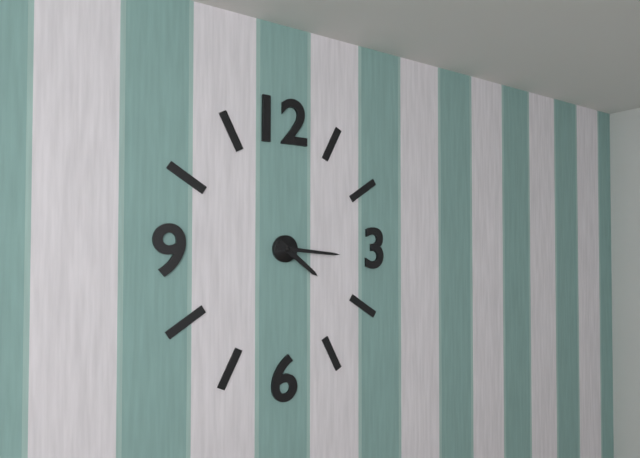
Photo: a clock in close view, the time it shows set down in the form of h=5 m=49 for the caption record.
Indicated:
h=4 m=16
